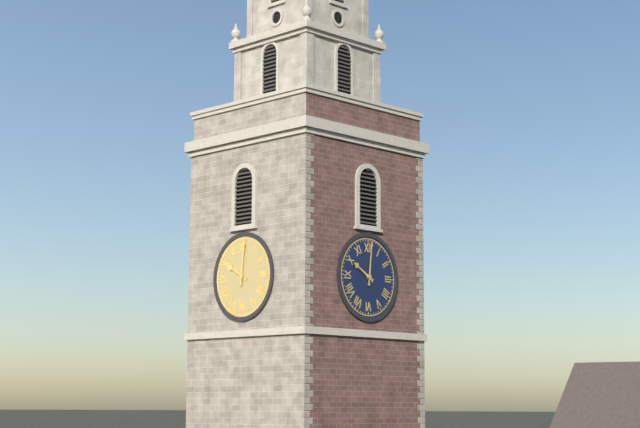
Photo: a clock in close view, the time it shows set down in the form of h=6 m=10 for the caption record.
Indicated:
h=10 m=1
